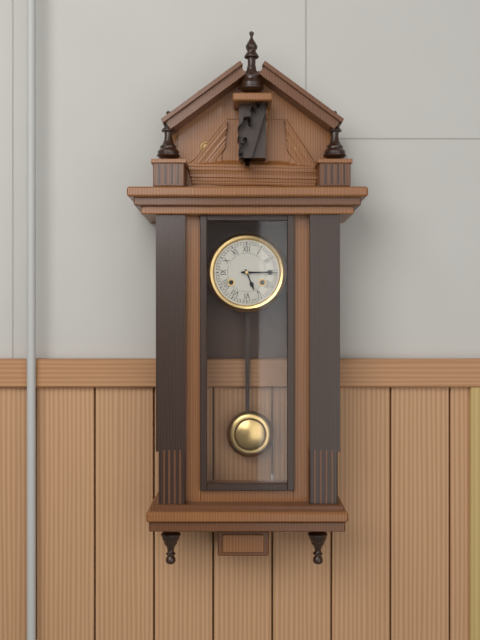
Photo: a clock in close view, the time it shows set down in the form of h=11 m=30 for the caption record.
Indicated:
h=5 m=15
